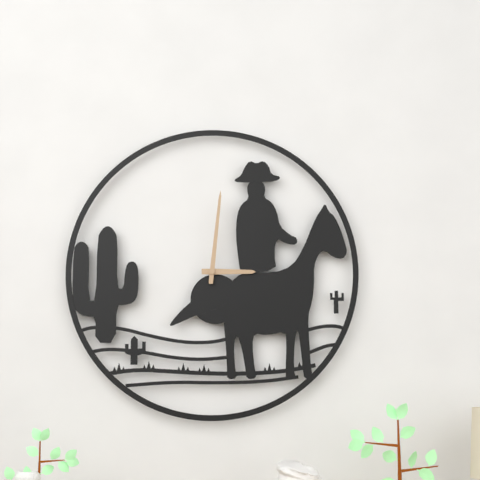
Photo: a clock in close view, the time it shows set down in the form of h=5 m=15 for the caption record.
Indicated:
h=3 m=1
